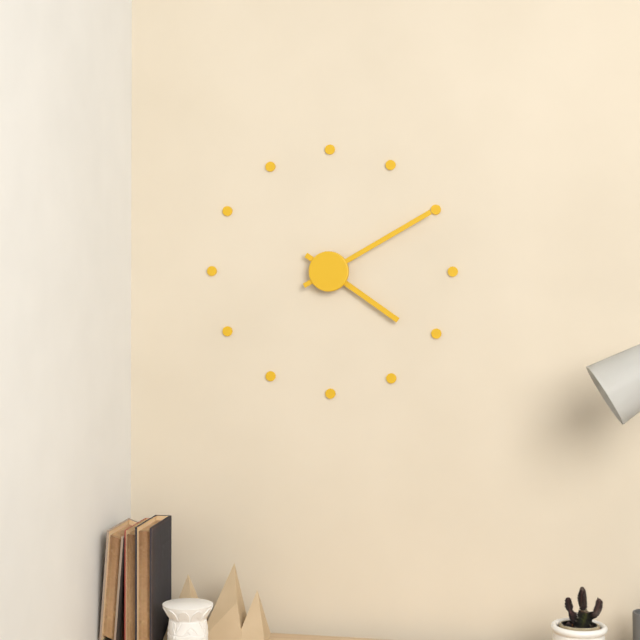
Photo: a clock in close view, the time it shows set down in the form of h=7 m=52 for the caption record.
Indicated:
h=4 m=10
